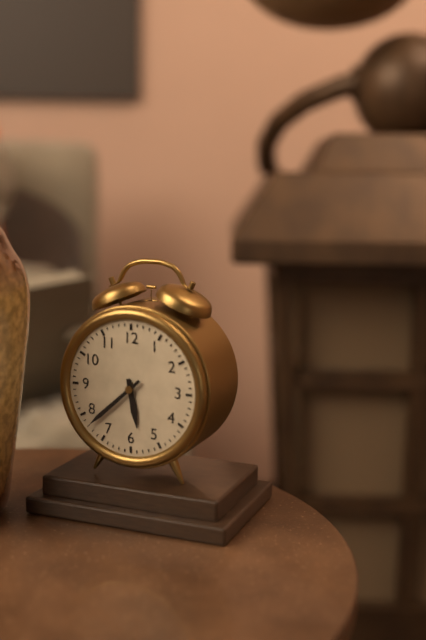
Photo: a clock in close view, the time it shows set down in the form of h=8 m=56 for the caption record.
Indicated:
h=5 m=38
